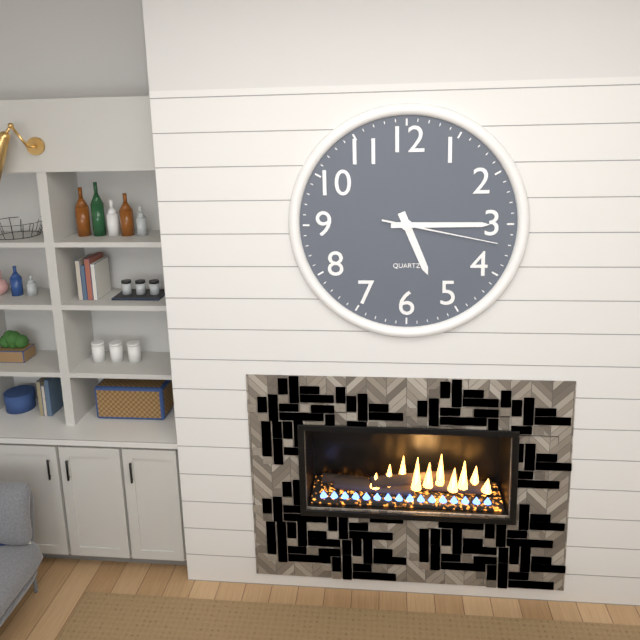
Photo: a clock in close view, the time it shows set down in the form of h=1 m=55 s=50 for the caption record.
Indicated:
h=5 m=15 s=17
